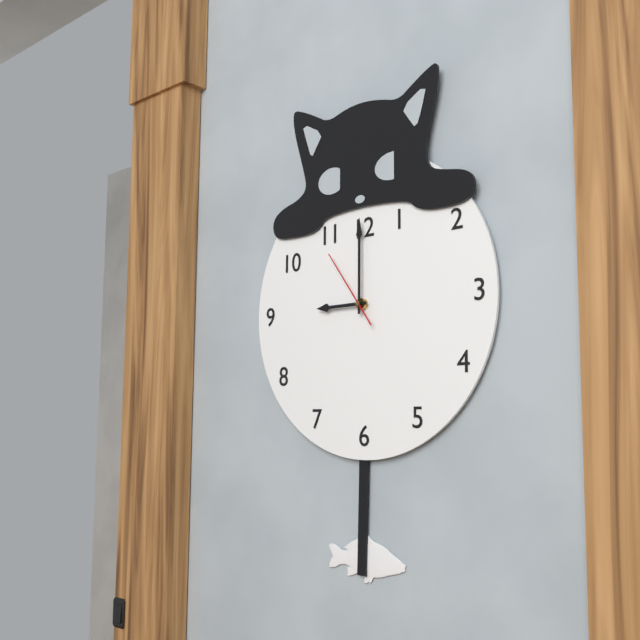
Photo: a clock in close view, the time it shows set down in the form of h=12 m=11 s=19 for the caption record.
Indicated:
h=9 m=0 s=54
